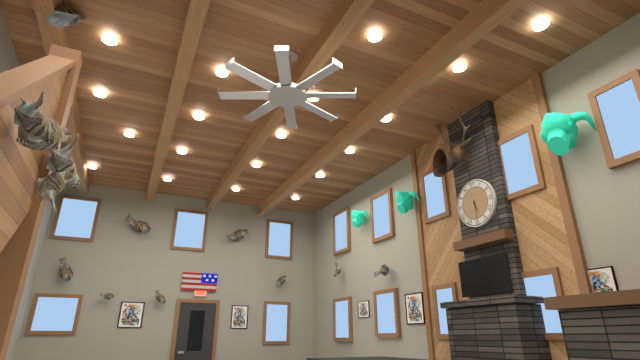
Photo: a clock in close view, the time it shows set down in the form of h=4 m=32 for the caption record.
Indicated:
h=5 m=30
